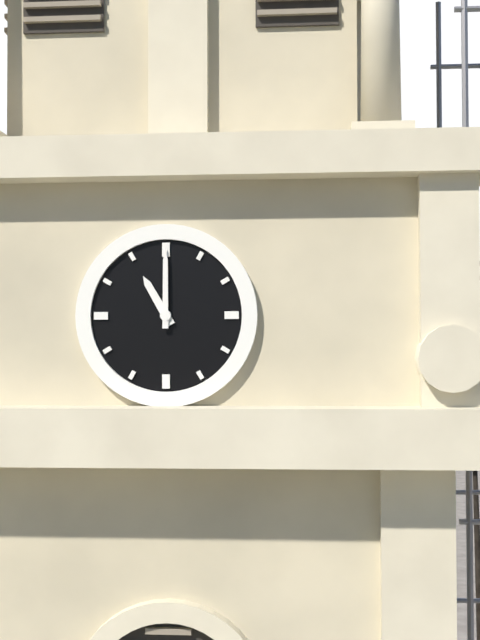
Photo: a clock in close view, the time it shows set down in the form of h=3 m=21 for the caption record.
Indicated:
h=11 m=0
